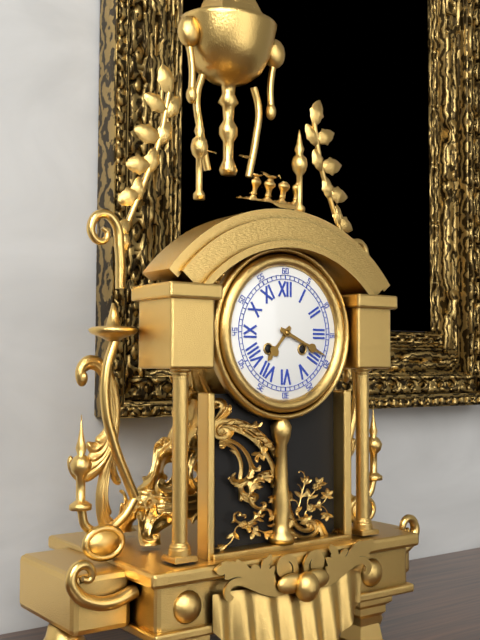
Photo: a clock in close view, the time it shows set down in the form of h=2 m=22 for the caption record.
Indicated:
h=7 m=19
